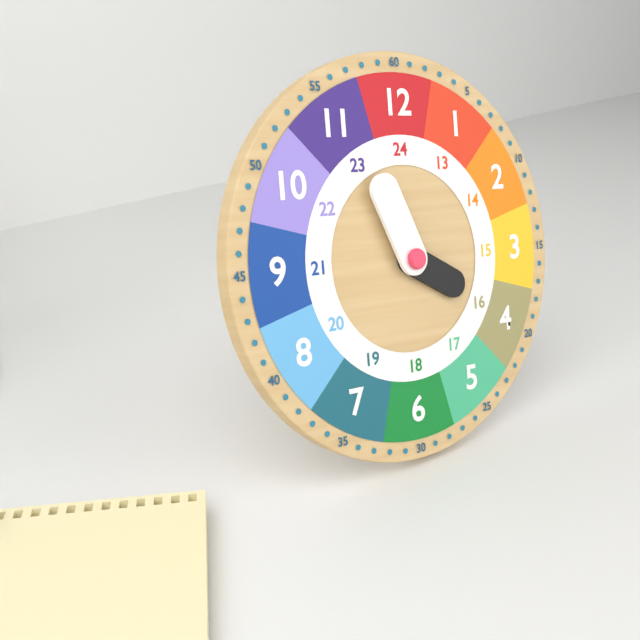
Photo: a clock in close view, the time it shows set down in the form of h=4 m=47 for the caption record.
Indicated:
h=3 m=56
